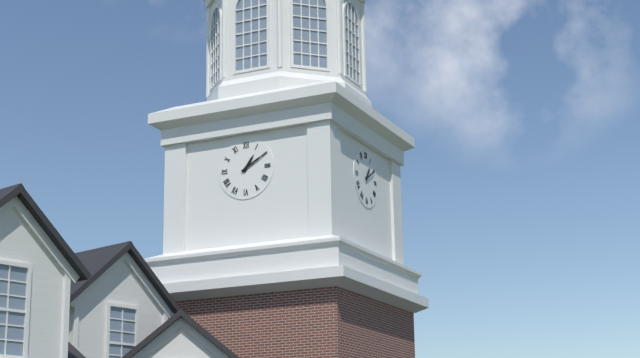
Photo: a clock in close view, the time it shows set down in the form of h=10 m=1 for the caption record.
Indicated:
h=1 m=10
